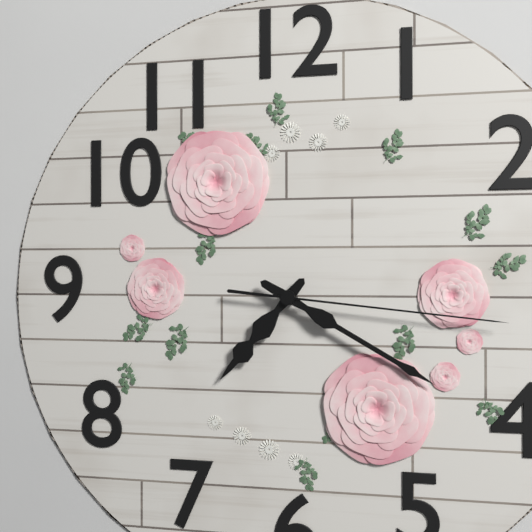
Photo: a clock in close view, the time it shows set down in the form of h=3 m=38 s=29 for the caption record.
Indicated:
h=7 m=20 s=16
